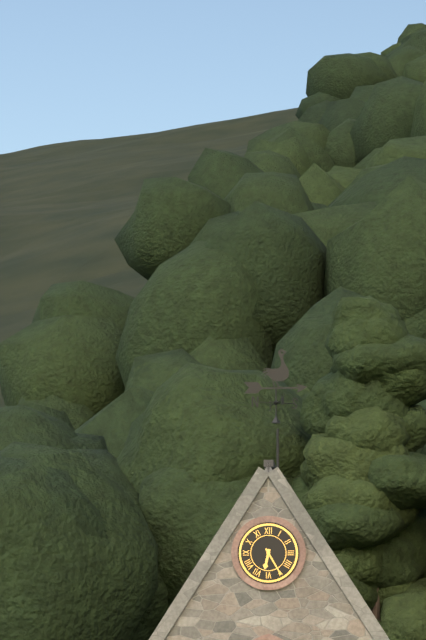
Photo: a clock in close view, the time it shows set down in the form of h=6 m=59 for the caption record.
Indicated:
h=6 m=25
